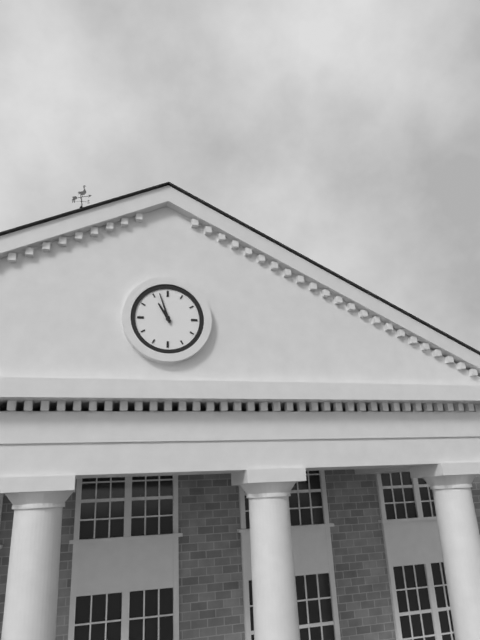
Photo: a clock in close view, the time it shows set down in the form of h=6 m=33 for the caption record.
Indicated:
h=10 m=57
